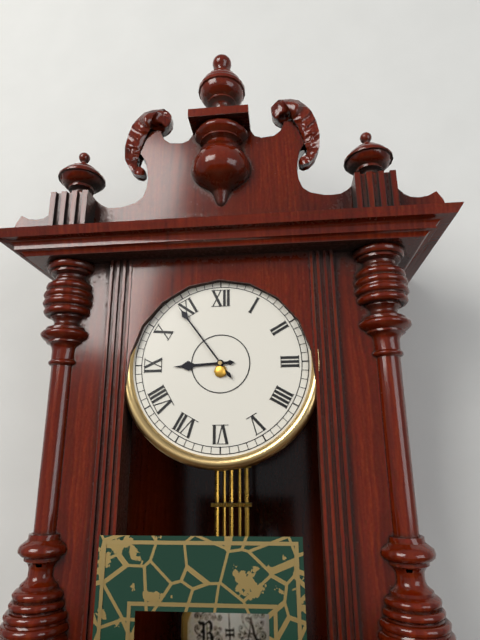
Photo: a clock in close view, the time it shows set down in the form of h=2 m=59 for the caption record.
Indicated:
h=8 m=54
